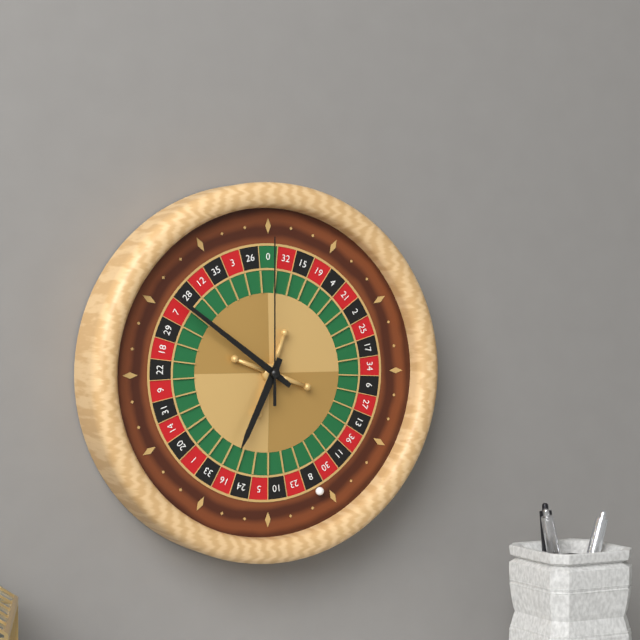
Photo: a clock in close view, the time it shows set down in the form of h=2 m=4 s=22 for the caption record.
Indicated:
h=6 m=51 s=0
